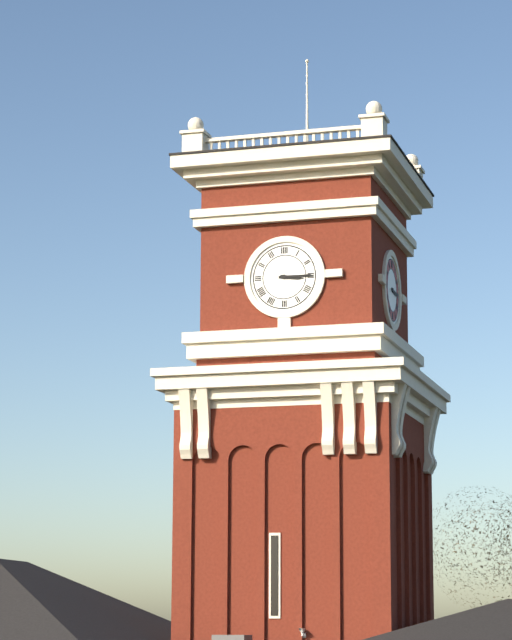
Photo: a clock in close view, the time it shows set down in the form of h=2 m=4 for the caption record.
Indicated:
h=3 m=15
